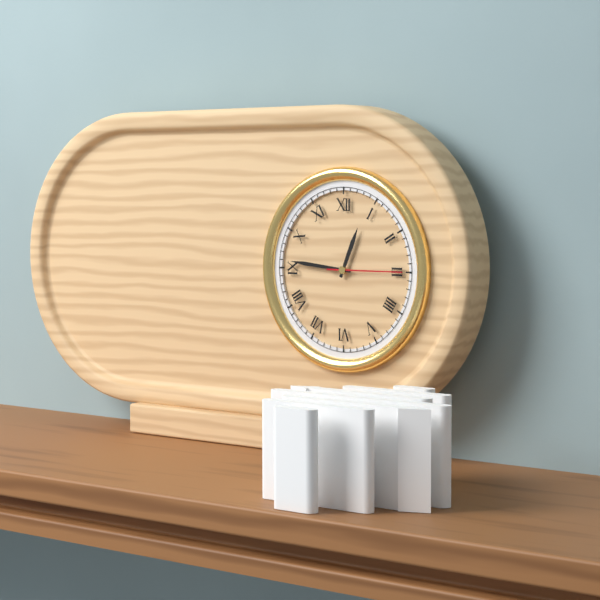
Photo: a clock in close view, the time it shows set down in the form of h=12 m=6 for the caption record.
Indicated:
h=12 m=46
